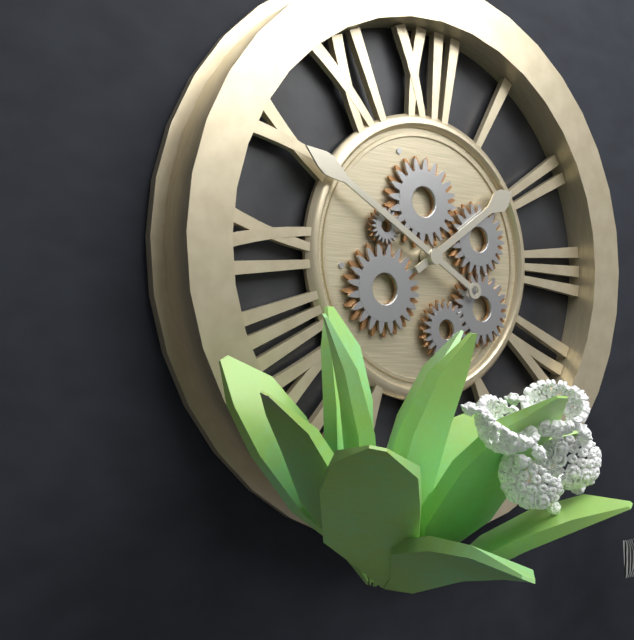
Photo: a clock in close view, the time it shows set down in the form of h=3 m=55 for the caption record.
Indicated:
h=1 m=50
